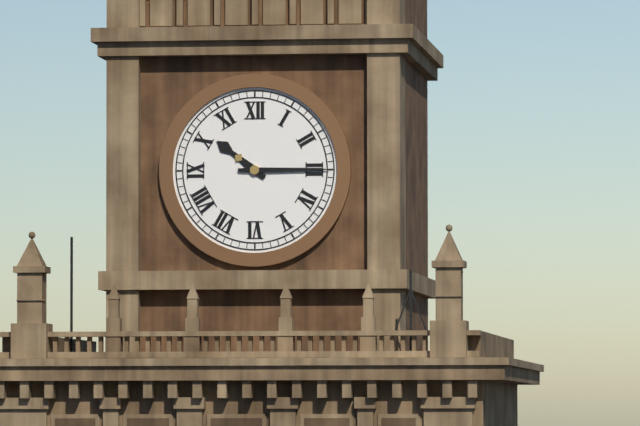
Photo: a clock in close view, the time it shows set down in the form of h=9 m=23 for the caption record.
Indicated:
h=10 m=15
